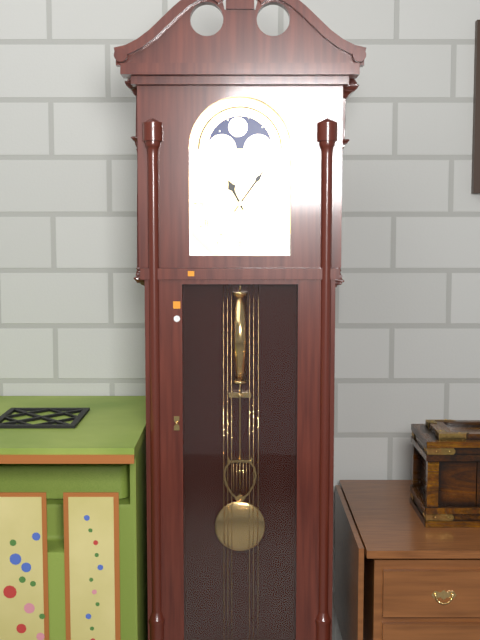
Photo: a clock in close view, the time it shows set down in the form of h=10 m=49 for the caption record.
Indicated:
h=11 m=6
